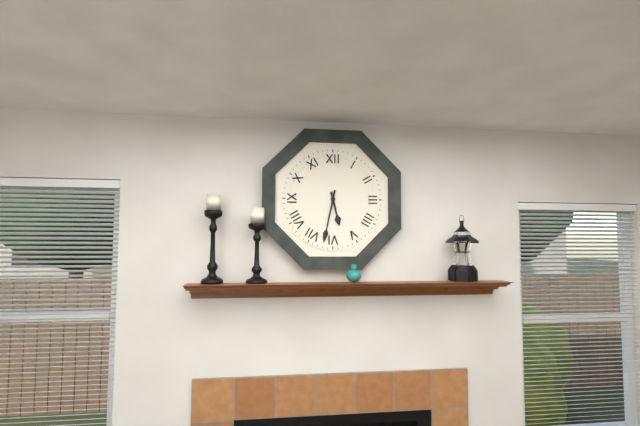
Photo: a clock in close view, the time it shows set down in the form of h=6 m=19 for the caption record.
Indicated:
h=5 m=32
